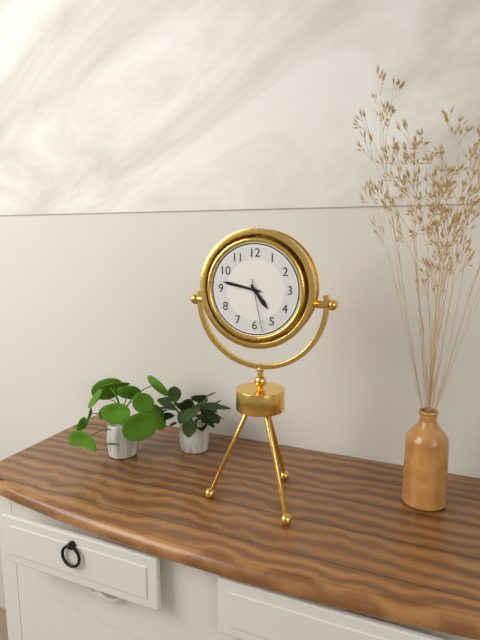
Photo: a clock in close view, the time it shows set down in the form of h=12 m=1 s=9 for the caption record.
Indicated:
h=4 m=47 s=28
